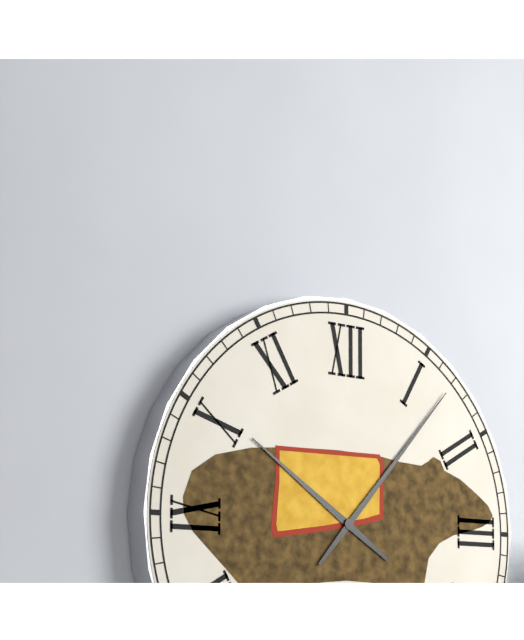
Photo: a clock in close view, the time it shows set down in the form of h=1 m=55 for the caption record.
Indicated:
h=10 m=7
